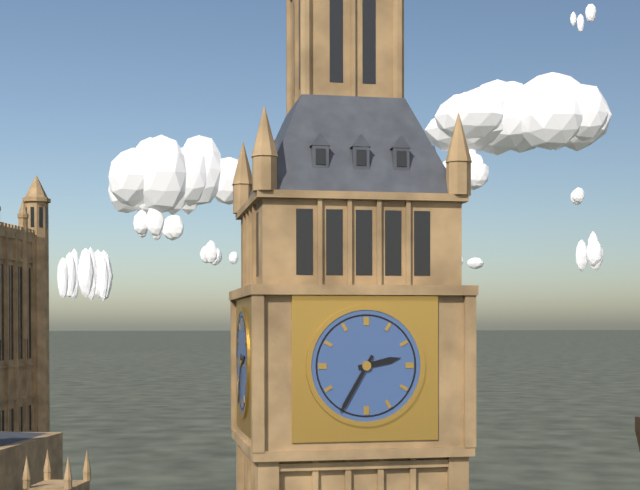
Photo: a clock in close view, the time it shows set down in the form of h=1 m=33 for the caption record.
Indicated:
h=2 m=35
